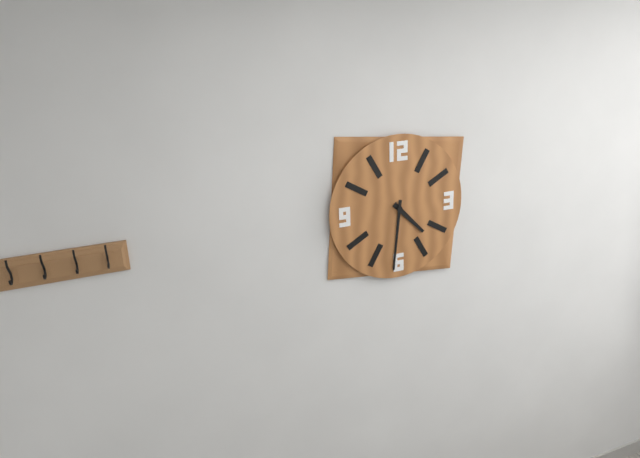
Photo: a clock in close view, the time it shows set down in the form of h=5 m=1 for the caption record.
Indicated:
h=4 m=31
